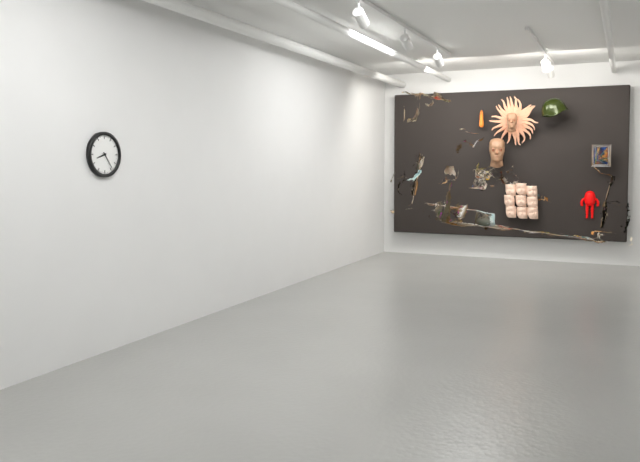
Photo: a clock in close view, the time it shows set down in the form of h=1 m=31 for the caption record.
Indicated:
h=8 m=24
